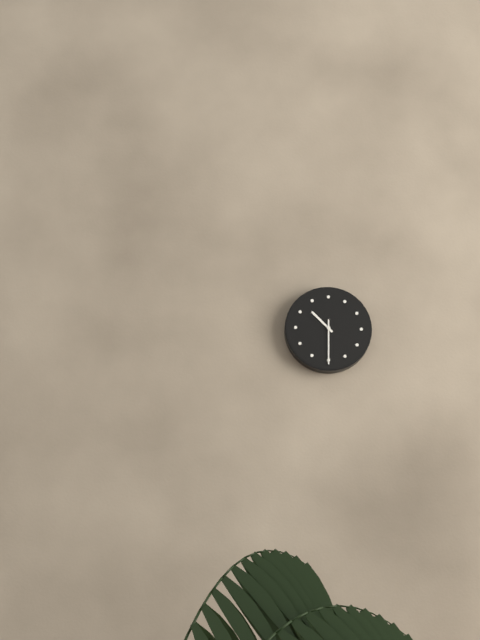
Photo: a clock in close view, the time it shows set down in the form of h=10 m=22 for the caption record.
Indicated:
h=10 m=30
